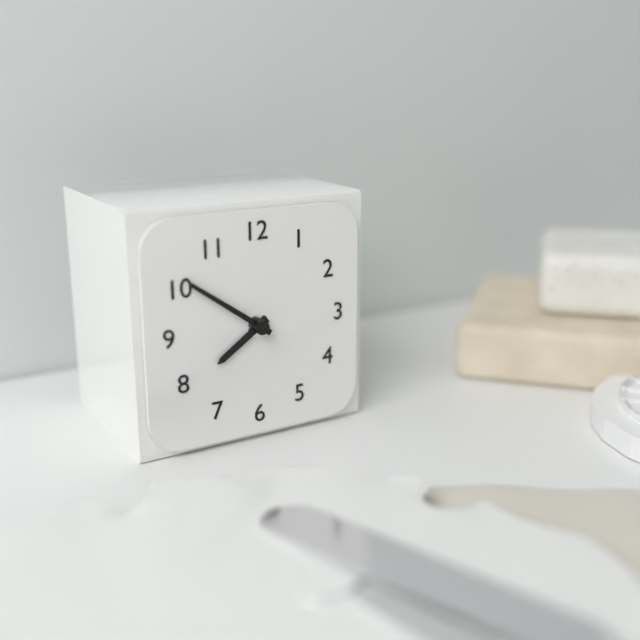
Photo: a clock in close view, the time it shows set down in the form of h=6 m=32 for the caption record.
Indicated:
h=7 m=51
